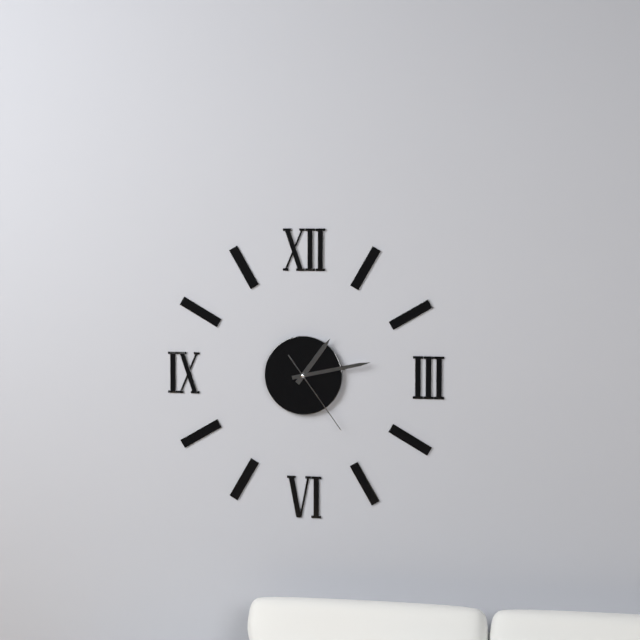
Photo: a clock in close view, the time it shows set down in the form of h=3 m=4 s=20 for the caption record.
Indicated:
h=1 m=13 s=24
